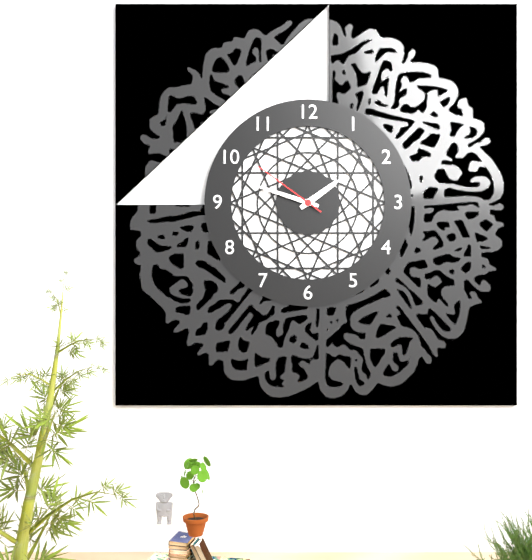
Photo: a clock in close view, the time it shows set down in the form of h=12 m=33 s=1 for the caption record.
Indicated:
h=1 m=48 s=51
